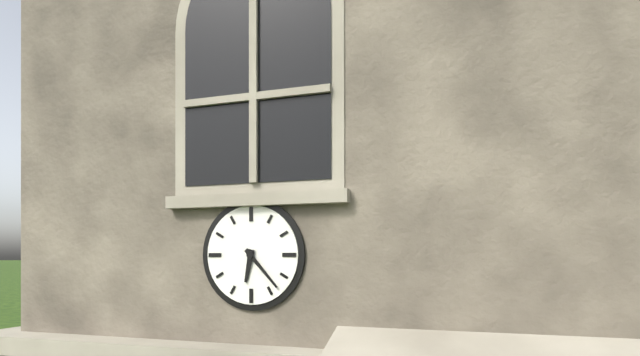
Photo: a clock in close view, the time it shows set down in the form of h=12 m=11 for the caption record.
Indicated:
h=6 m=23
